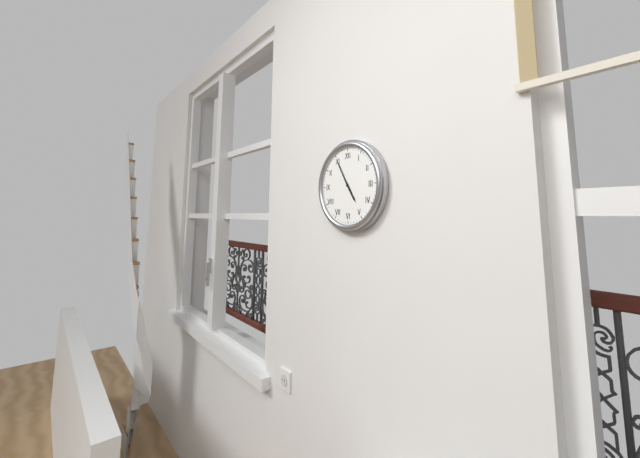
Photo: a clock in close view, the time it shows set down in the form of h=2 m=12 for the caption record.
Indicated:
h=4 m=55
